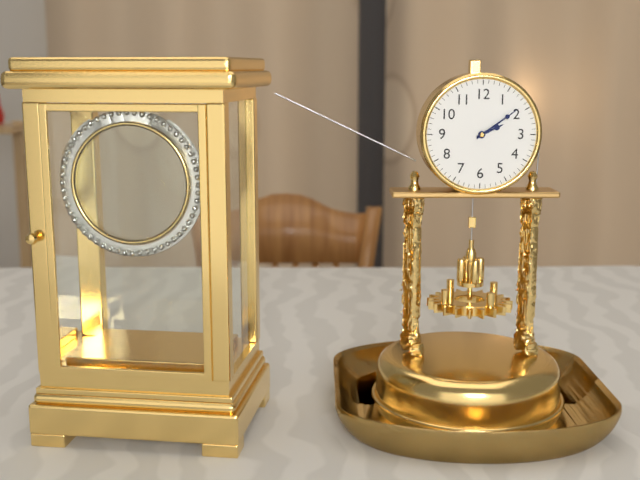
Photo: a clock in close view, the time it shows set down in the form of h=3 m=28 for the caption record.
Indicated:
h=2 m=9
